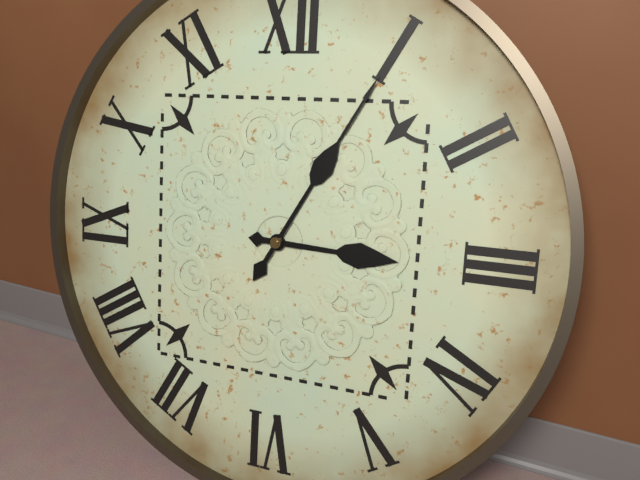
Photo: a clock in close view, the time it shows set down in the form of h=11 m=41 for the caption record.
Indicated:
h=3 m=5
